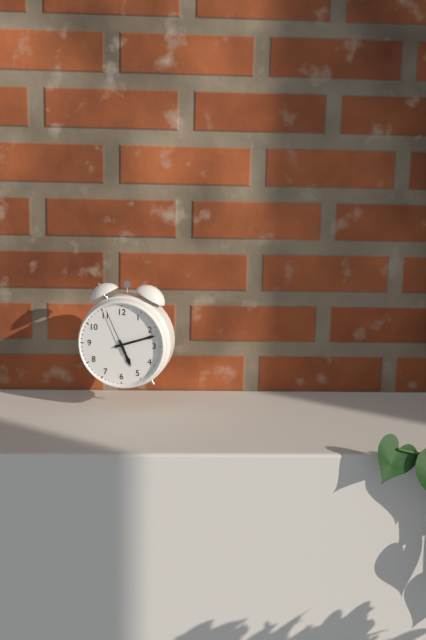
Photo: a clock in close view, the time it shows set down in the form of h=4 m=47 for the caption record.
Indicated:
h=5 m=12
